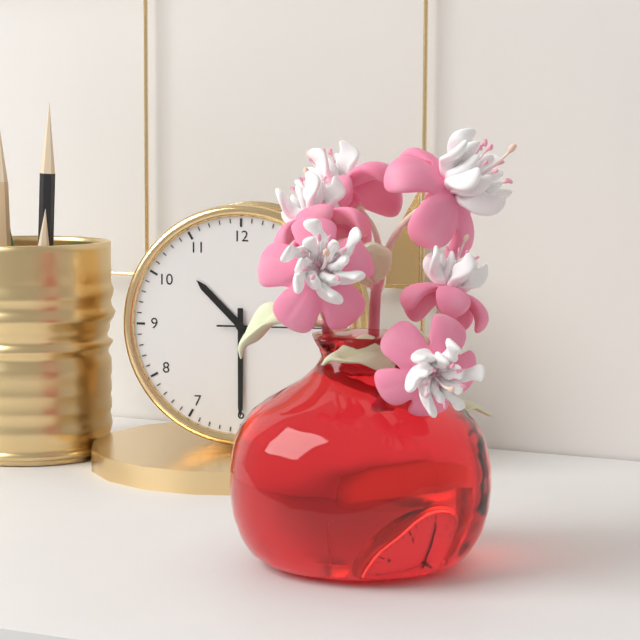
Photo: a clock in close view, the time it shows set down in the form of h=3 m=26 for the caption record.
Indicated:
h=10 m=30
